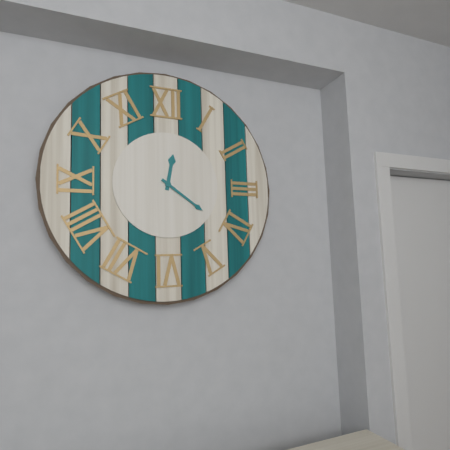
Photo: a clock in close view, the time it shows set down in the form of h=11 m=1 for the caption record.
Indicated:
h=12 m=21
